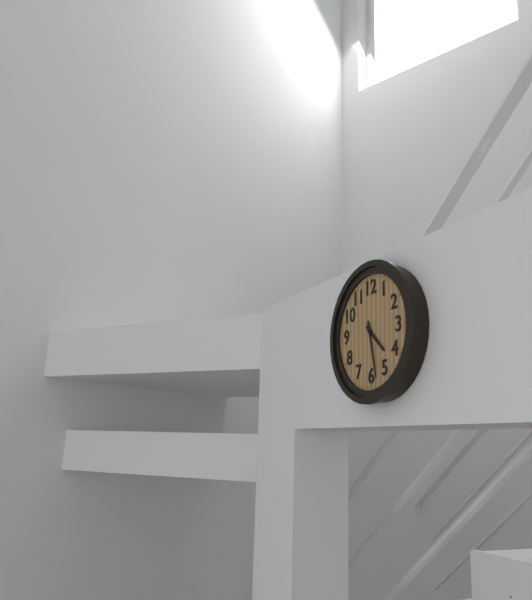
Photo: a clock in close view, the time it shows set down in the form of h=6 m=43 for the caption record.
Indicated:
h=4 m=28
